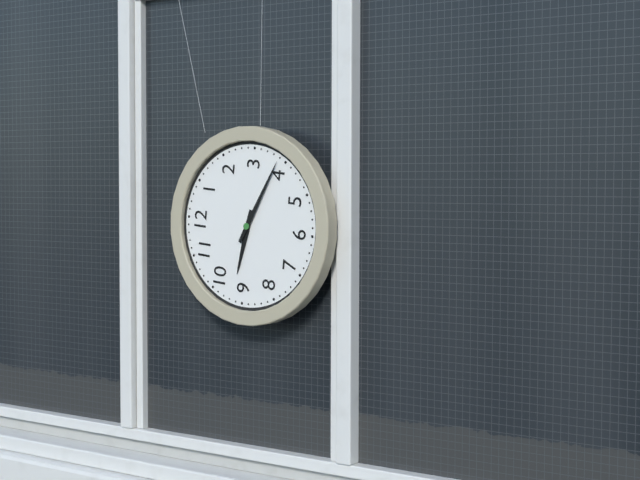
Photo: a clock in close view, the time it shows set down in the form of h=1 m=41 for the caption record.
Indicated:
h=9 m=19
